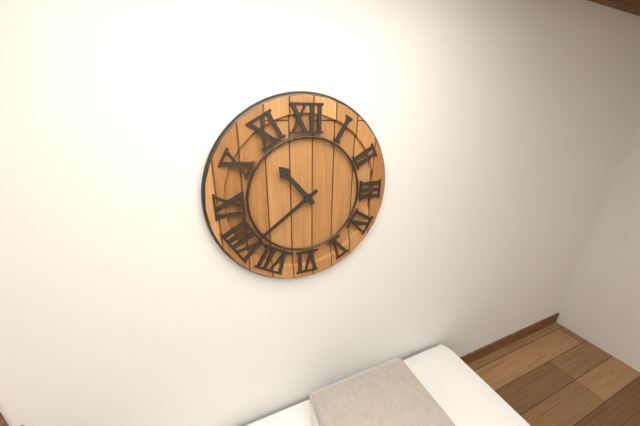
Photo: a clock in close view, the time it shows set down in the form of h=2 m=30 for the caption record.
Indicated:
h=10 m=39
